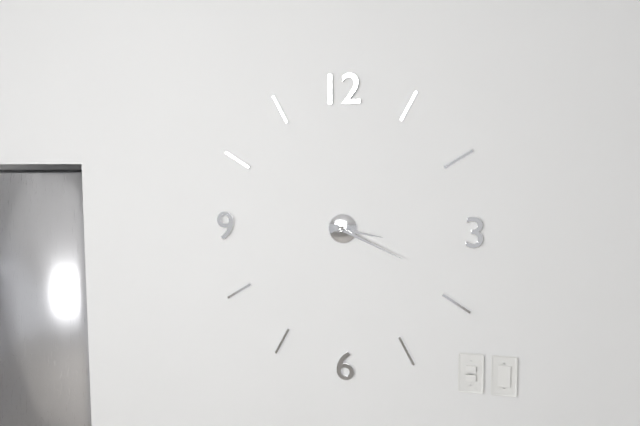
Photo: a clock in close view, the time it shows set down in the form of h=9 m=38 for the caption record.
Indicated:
h=3 m=19
